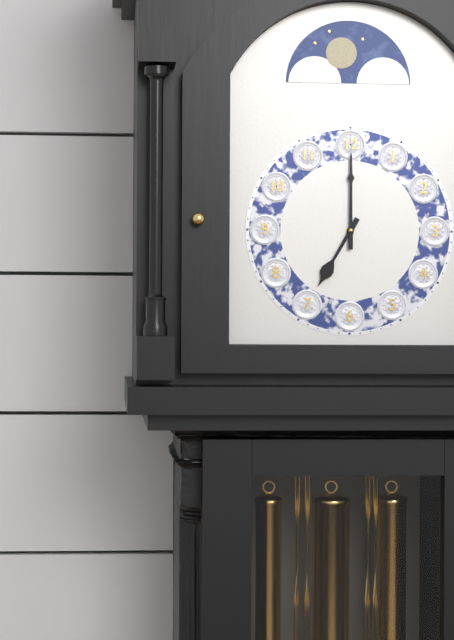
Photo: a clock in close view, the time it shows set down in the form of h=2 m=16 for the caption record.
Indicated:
h=7 m=0
